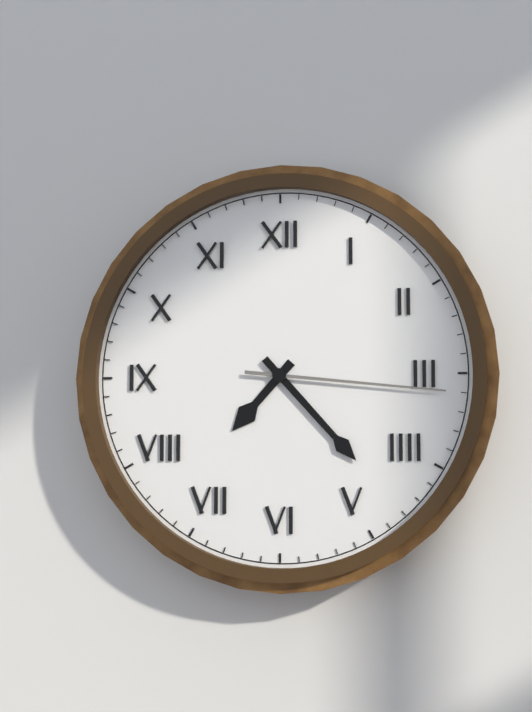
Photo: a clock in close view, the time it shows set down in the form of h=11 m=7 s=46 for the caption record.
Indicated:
h=7 m=23 s=16
